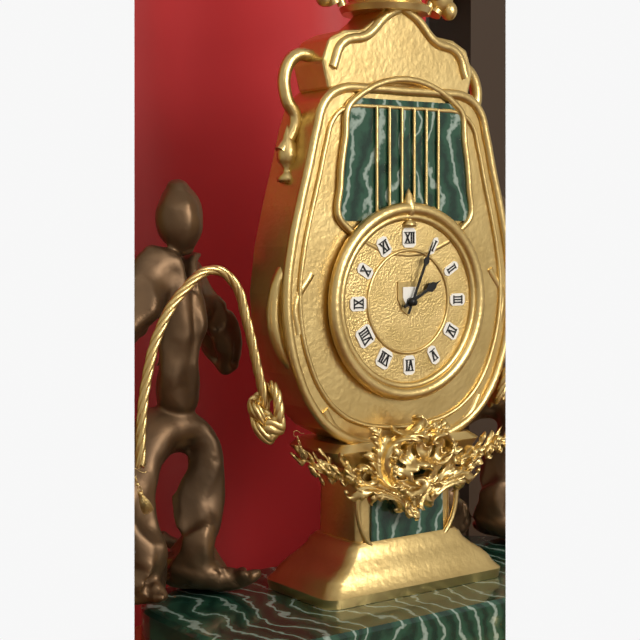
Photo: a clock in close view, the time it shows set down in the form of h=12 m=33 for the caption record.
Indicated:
h=2 m=4
